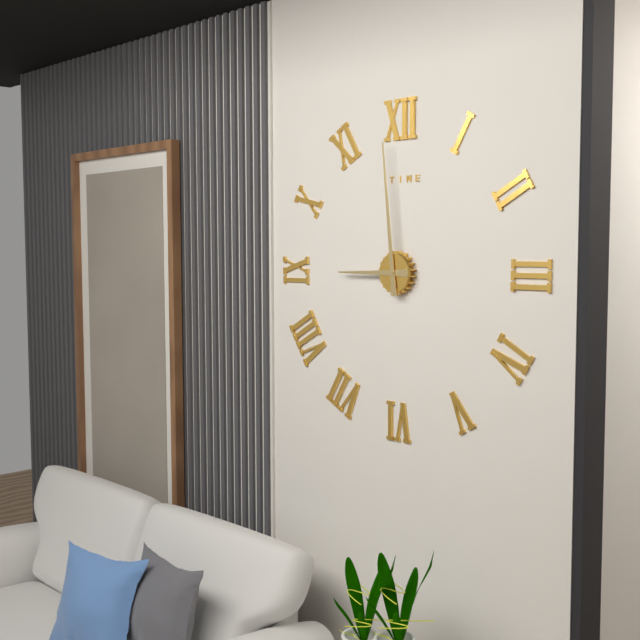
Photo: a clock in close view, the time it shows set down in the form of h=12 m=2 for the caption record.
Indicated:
h=8 m=59
